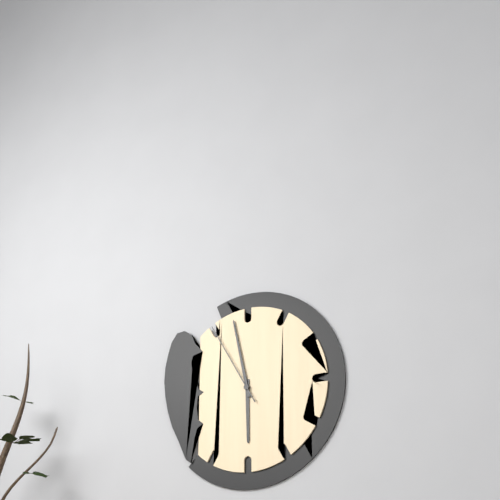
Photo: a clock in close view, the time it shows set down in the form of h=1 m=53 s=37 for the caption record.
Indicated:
h=5 m=58 s=55
